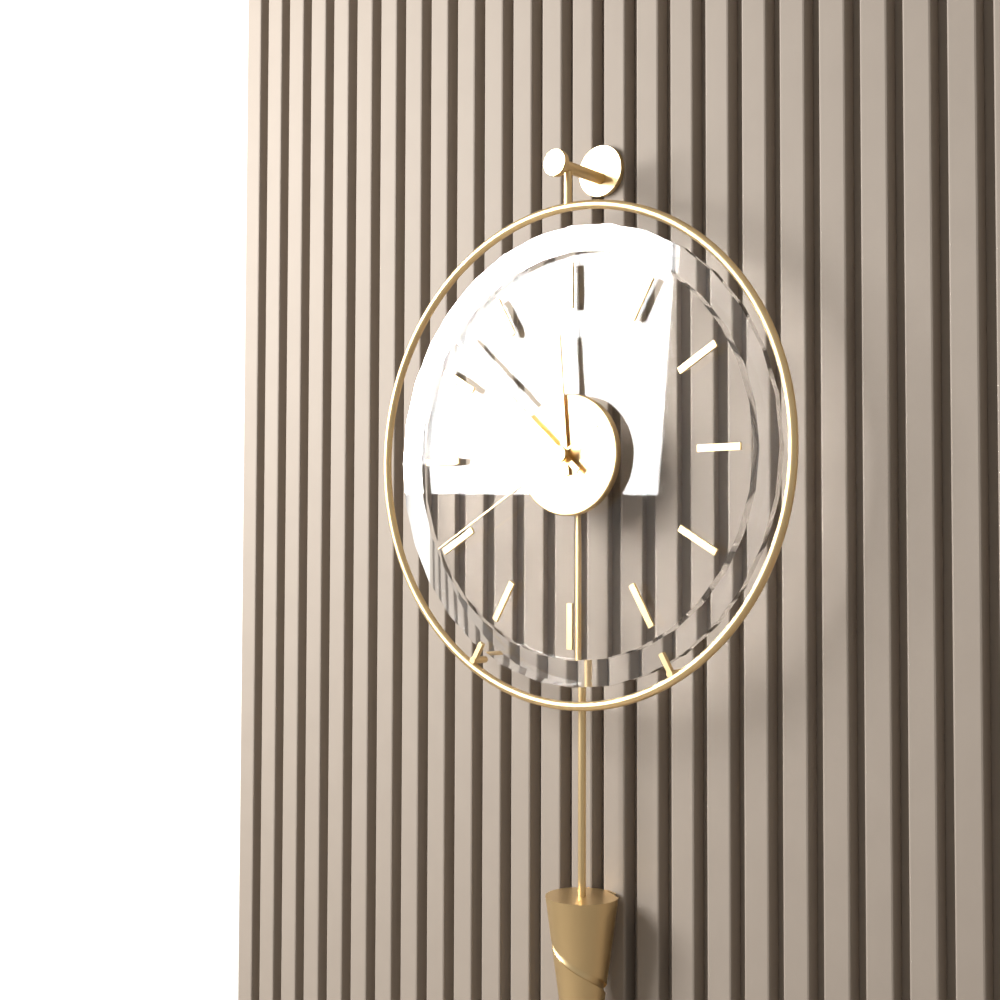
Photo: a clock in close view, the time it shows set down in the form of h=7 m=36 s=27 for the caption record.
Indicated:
h=11 m=52 s=40
